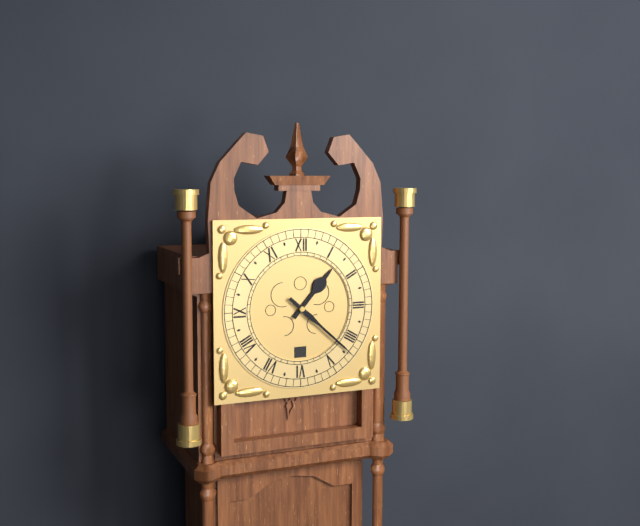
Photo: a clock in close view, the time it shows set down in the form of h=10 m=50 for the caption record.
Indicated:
h=1 m=22
